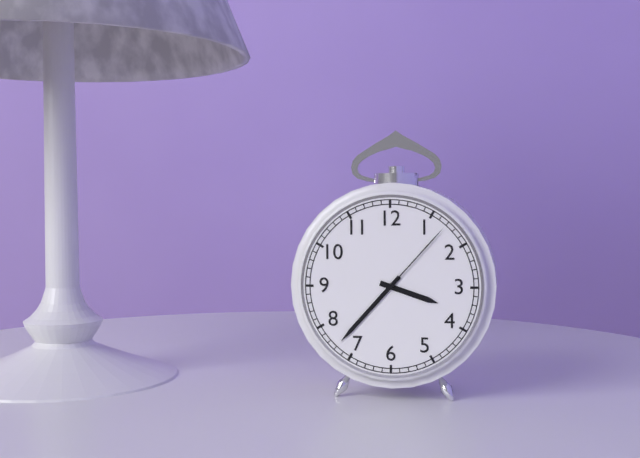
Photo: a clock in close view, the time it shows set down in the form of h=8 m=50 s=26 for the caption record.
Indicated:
h=3 m=37 s=7
